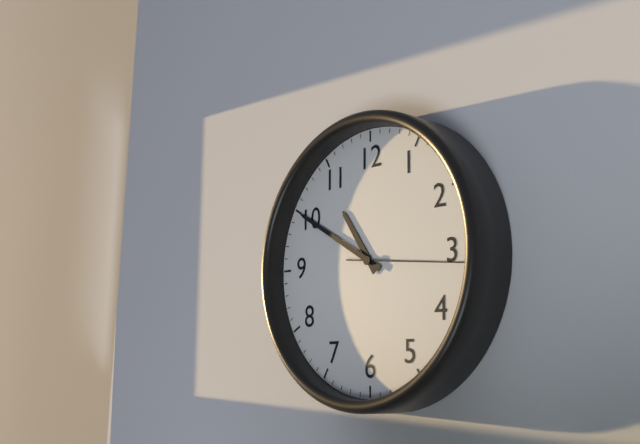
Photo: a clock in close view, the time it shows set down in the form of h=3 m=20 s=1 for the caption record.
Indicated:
h=10 m=50 s=16
